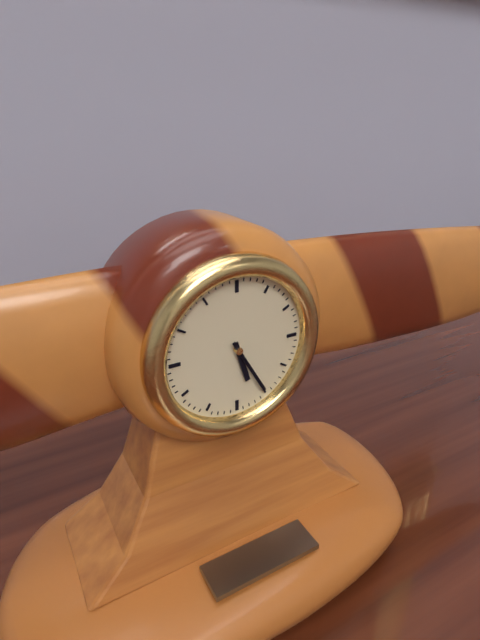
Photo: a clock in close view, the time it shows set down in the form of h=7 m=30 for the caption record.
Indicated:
h=5 m=25
